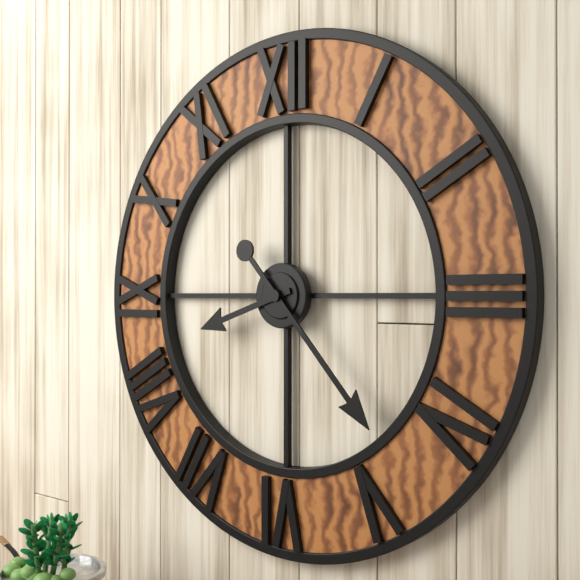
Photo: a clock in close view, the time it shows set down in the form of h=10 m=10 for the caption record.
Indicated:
h=8 m=23
